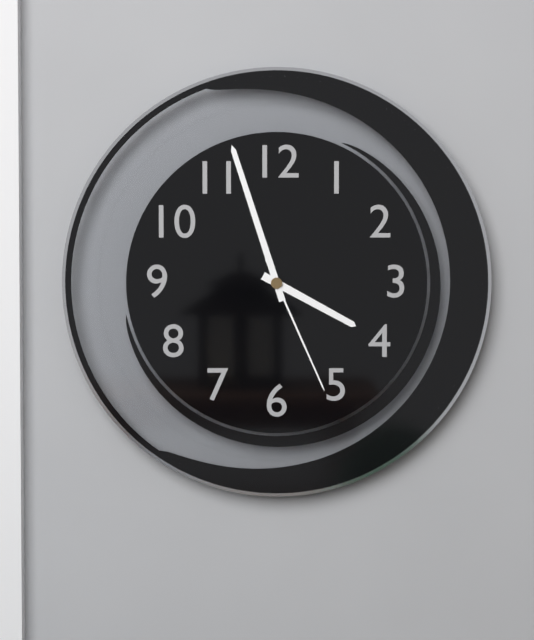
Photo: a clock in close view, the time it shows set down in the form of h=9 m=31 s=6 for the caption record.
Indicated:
h=3 m=57 s=26
